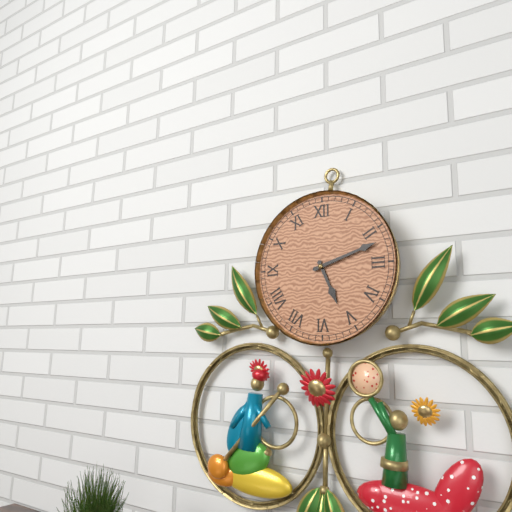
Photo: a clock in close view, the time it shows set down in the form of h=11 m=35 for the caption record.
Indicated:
h=5 m=12
